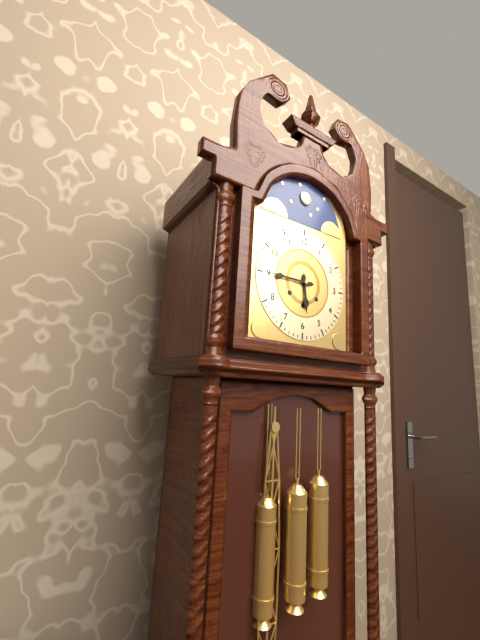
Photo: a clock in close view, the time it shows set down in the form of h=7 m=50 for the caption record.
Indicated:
h=5 m=45
